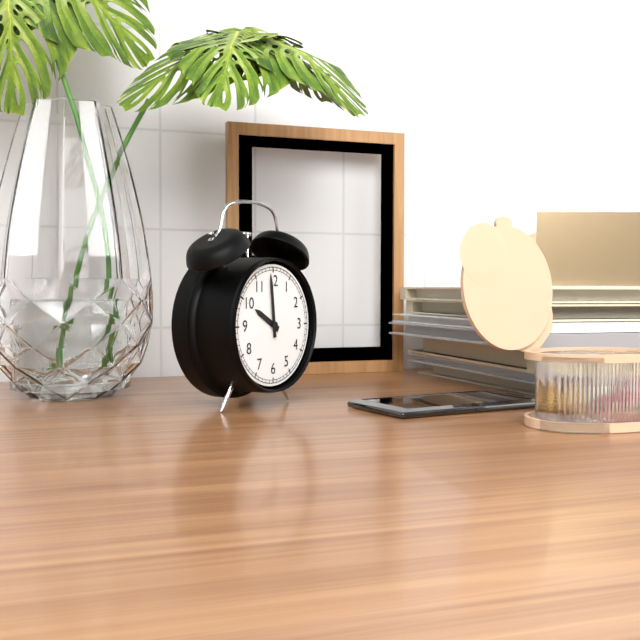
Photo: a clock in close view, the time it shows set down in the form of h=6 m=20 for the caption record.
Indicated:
h=9 m=59
